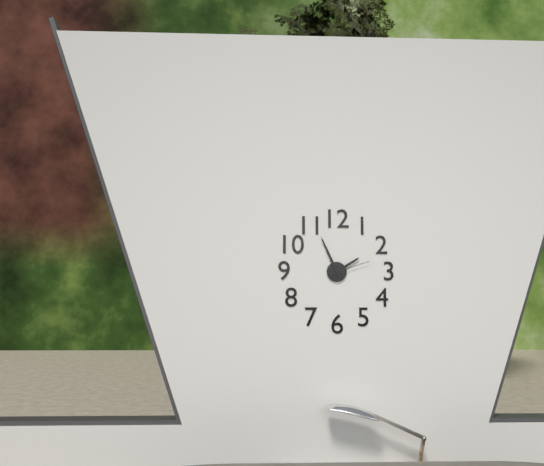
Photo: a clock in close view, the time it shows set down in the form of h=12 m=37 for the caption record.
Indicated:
h=1 m=56
